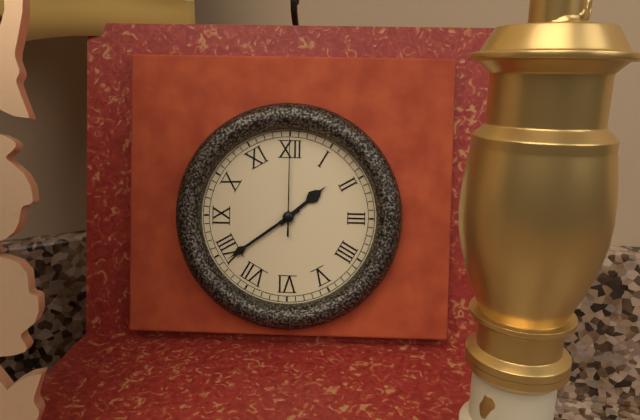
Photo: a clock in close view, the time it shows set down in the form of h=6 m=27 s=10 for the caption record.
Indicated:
h=1 m=39 s=0
